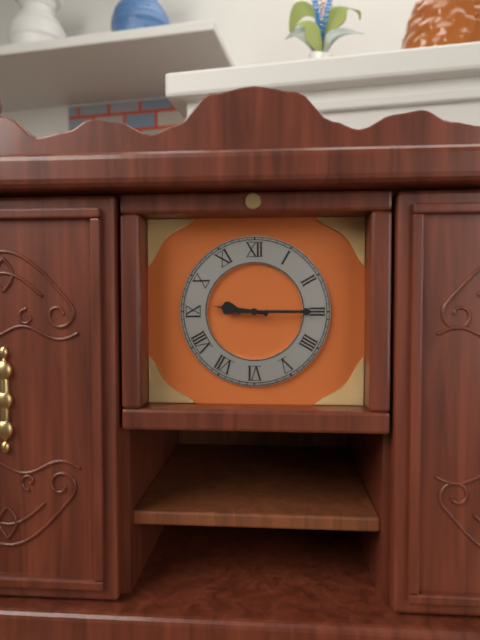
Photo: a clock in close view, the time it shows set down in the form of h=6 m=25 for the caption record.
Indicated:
h=9 m=15
